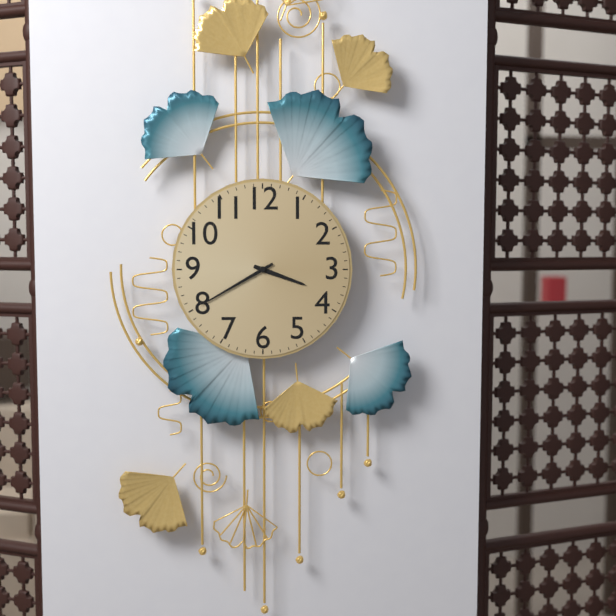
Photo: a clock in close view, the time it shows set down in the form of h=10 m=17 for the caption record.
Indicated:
h=3 m=40
